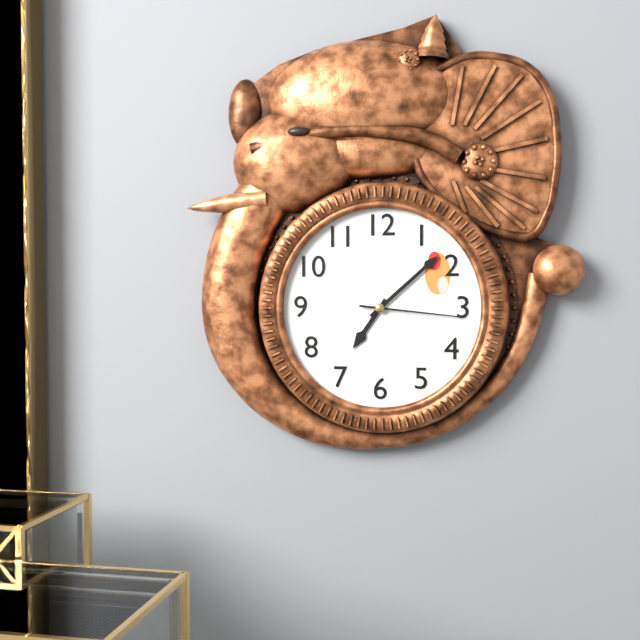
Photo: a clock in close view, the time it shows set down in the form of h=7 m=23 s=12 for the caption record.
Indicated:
h=7 m=8 s=16
